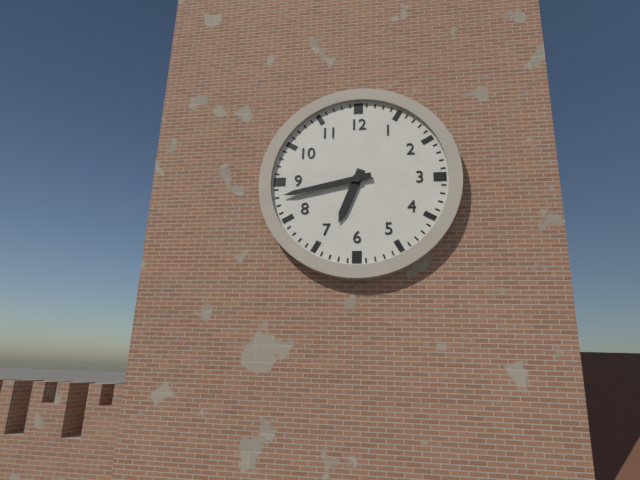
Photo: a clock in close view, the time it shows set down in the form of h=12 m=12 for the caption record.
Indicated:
h=6 m=43
